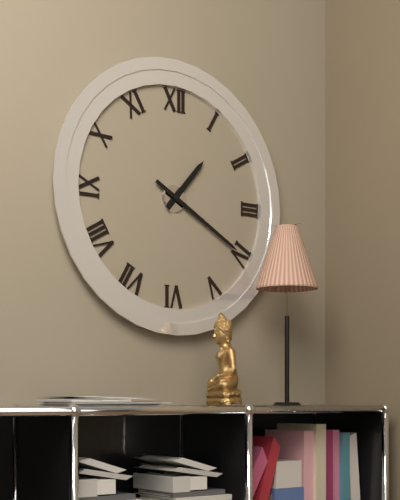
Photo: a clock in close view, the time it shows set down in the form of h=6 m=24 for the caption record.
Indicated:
h=1 m=20
